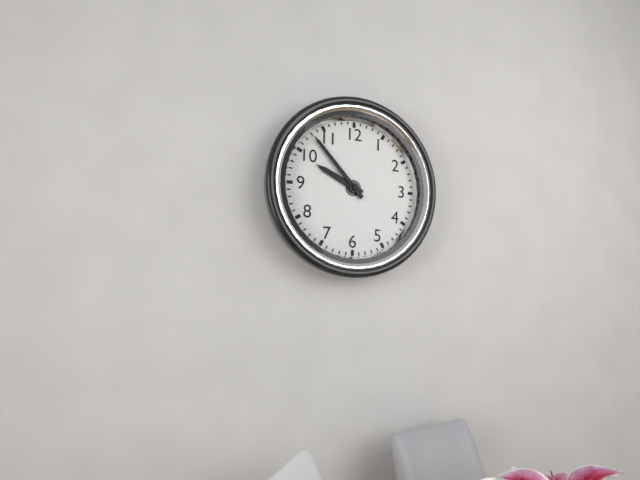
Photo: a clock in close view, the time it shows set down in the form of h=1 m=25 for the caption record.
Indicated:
h=9 m=53
